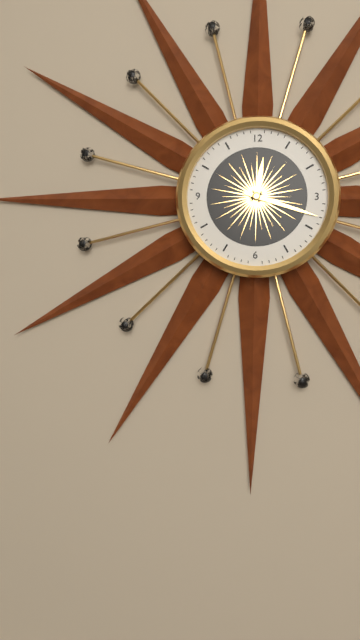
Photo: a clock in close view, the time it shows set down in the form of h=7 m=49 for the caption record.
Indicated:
h=12 m=18
